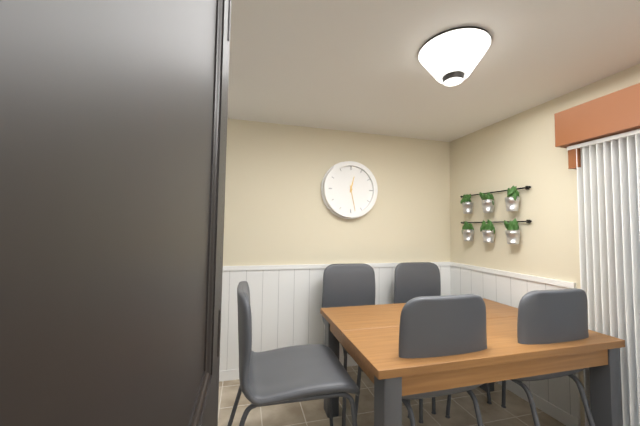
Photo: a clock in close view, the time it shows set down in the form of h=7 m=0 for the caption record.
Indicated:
h=12 m=28
